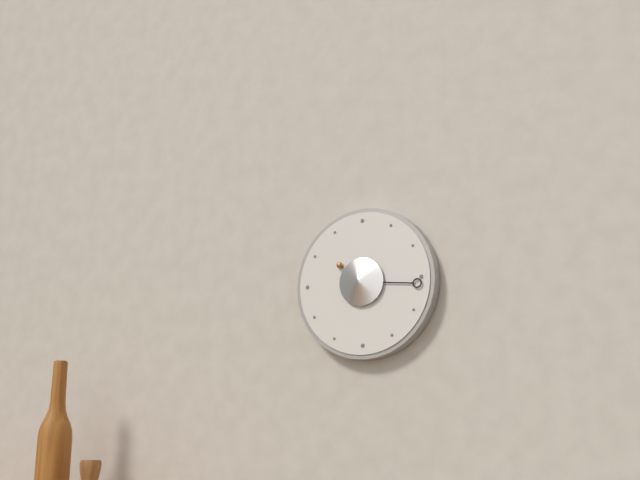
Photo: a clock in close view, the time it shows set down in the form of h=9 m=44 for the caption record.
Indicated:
h=10 m=16
